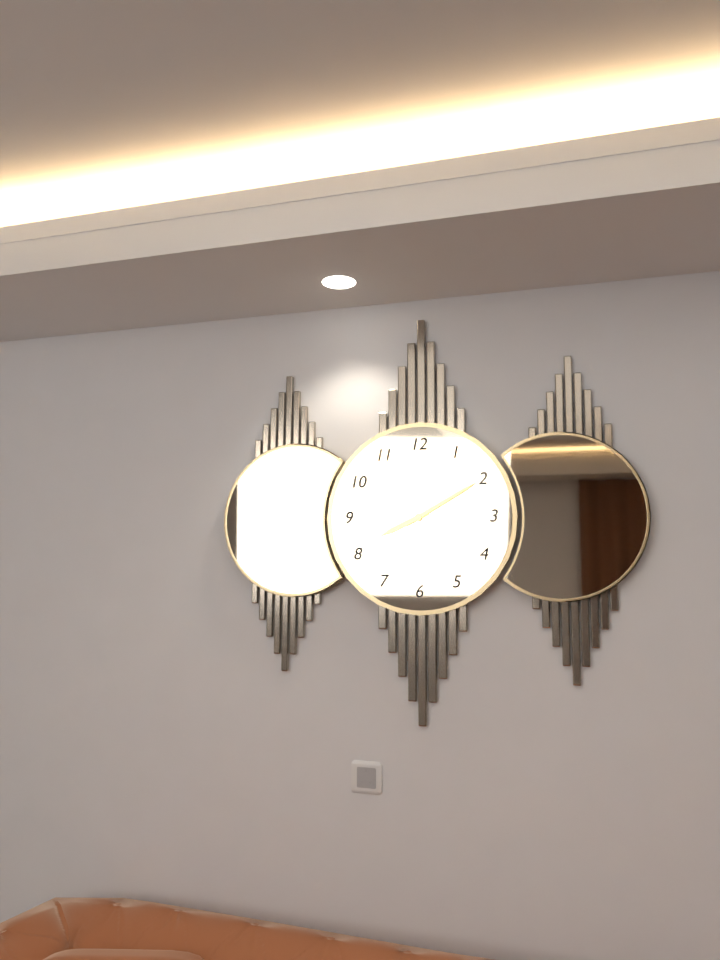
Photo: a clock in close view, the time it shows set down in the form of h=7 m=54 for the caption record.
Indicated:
h=8 m=10
